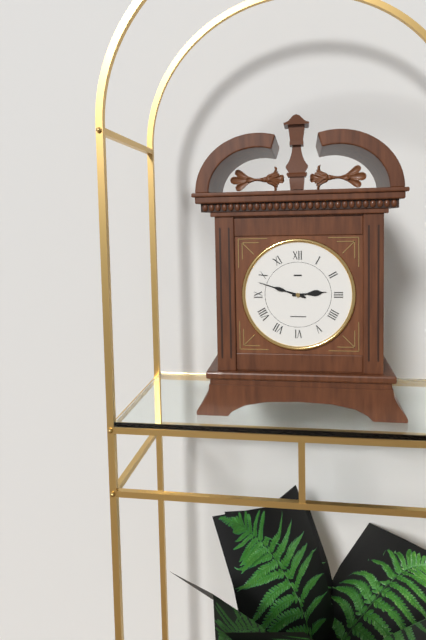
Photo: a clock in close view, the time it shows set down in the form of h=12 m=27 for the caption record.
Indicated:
h=2 m=48
